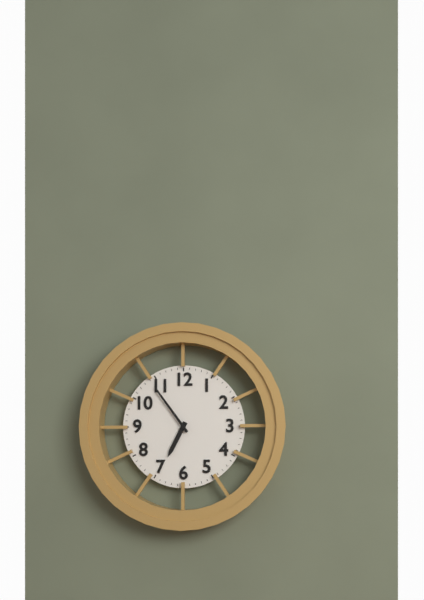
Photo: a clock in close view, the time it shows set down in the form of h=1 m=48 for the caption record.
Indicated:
h=6 m=54
